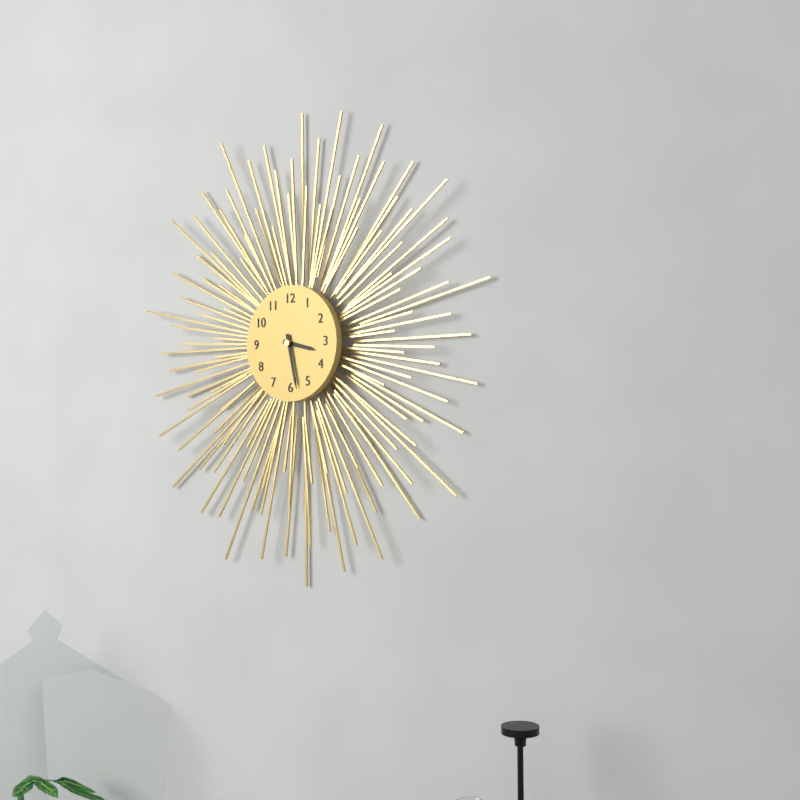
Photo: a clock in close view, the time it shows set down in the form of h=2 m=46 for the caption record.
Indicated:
h=3 m=28
